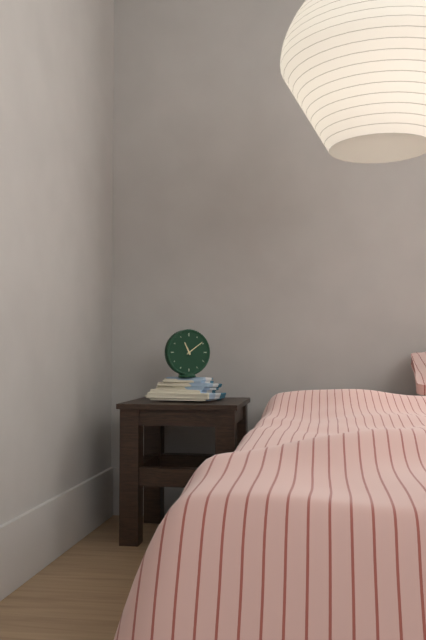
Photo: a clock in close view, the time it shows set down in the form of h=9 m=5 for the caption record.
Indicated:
h=11 m=9
